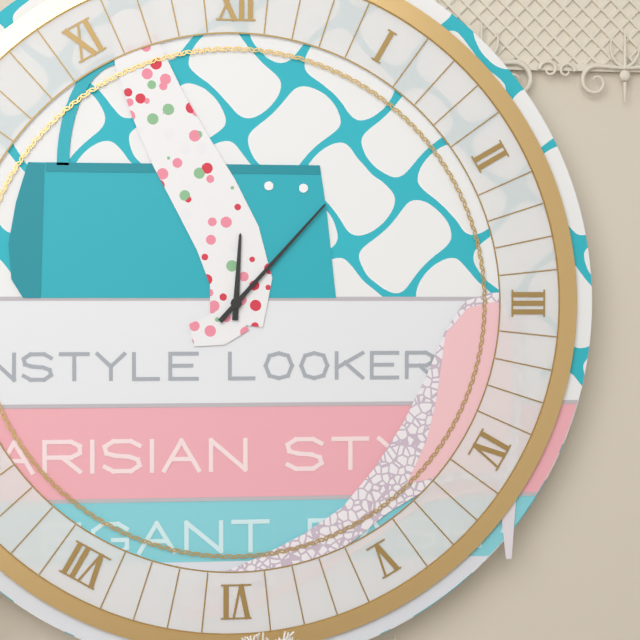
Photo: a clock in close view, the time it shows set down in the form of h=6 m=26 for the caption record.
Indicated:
h=12 m=7
